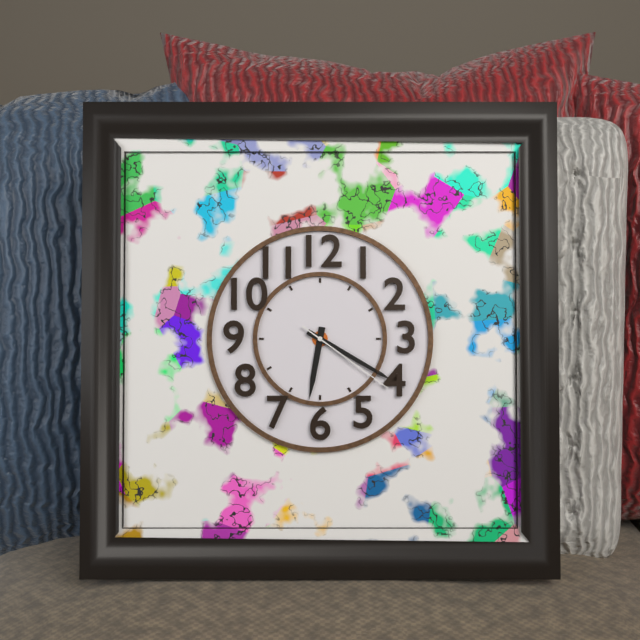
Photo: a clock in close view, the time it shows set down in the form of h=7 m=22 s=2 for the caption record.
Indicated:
h=6 m=20 s=21
